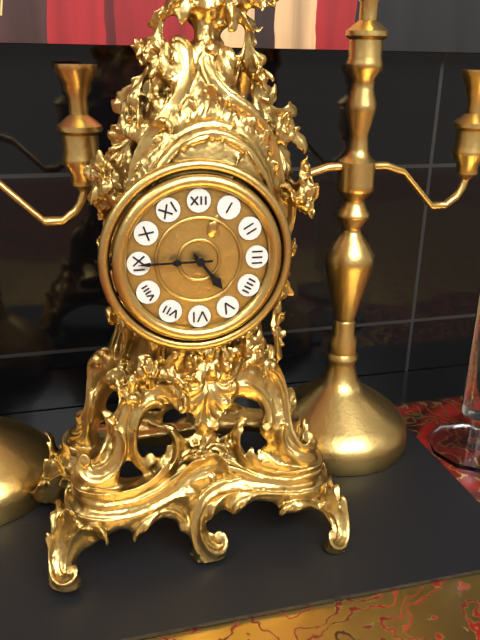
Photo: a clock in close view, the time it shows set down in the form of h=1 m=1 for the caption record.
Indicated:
h=4 m=45
